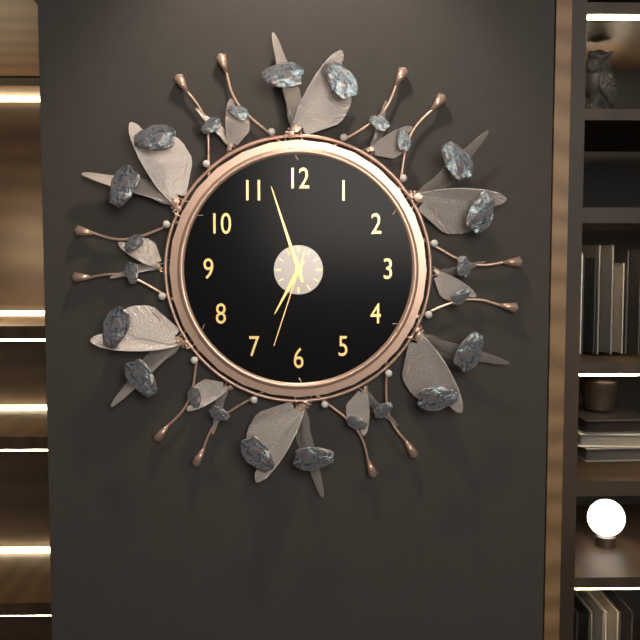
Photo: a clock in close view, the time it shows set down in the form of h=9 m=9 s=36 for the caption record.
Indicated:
h=6 m=57 s=33
